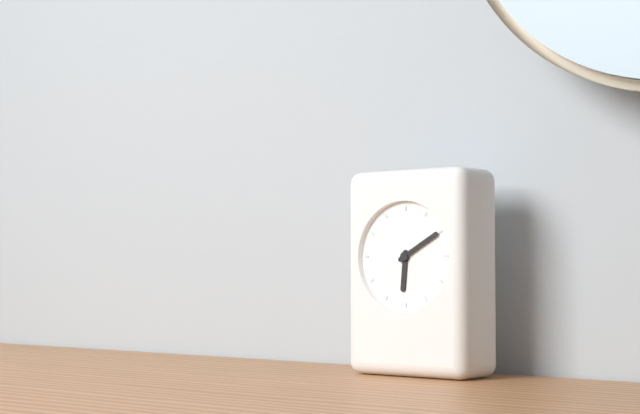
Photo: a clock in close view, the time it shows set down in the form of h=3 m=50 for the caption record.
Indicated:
h=6 m=10
